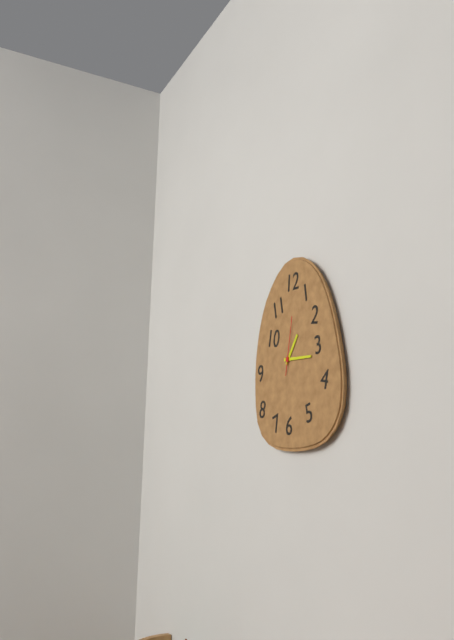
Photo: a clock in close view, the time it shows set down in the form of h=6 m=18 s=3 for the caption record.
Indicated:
h=1 m=16 s=2
